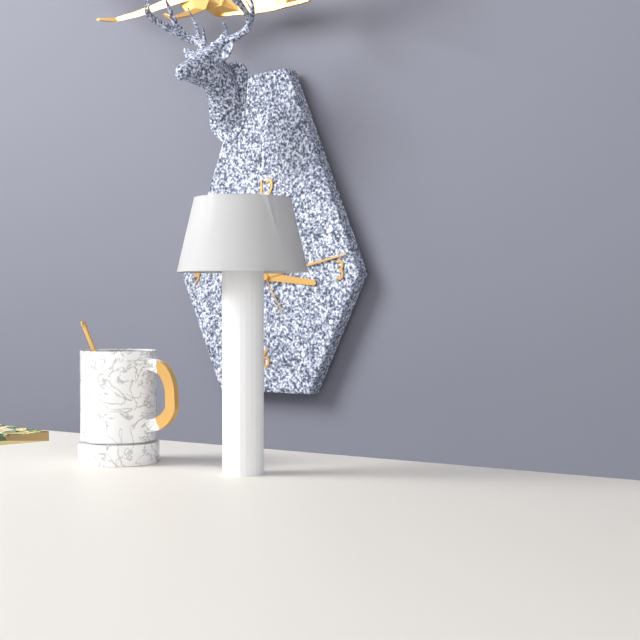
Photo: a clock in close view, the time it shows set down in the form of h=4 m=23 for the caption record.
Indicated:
h=3 m=13
